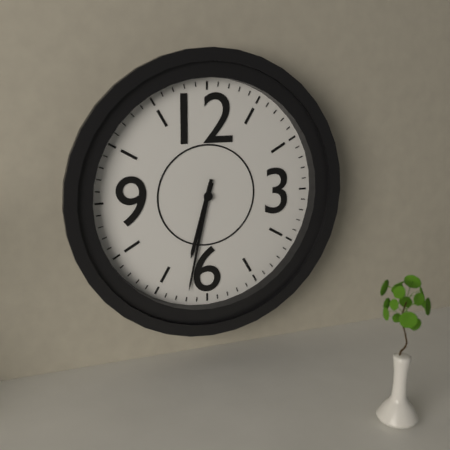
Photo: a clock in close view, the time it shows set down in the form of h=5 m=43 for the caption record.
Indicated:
h=6 m=32
